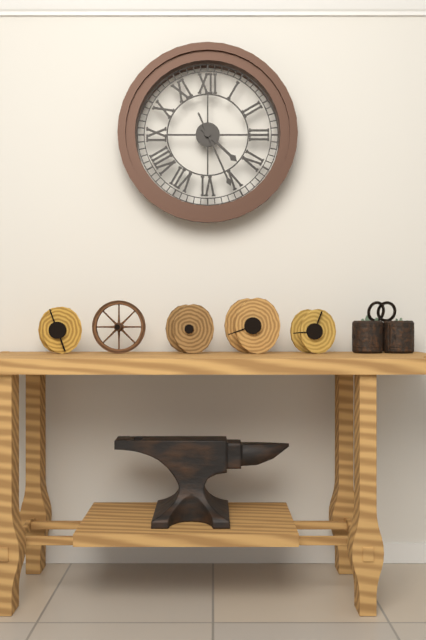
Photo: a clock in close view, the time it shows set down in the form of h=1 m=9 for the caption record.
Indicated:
h=4 m=26
